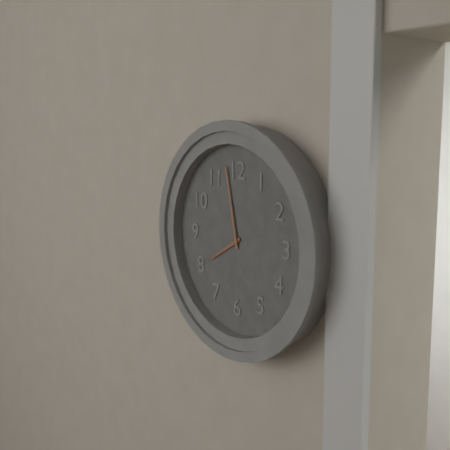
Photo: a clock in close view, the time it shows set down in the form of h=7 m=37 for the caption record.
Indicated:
h=7 m=58
